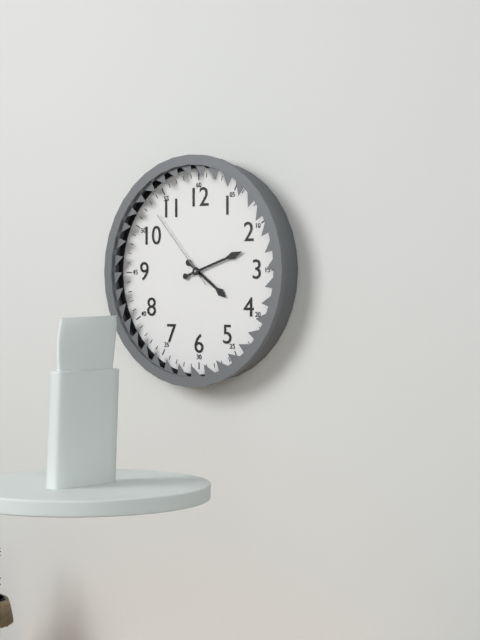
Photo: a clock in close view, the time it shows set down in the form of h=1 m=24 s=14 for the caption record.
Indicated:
h=4 m=12 s=53
